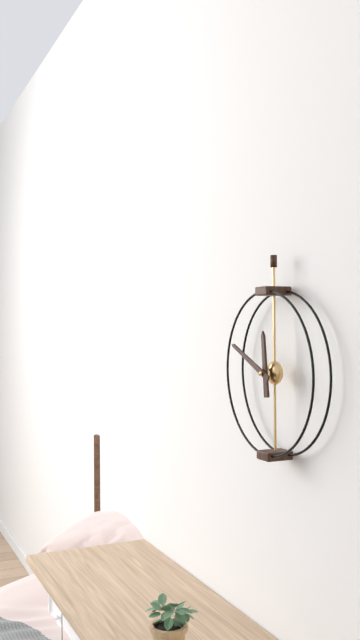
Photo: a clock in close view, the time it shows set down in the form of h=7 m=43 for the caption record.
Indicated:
h=11 m=49
